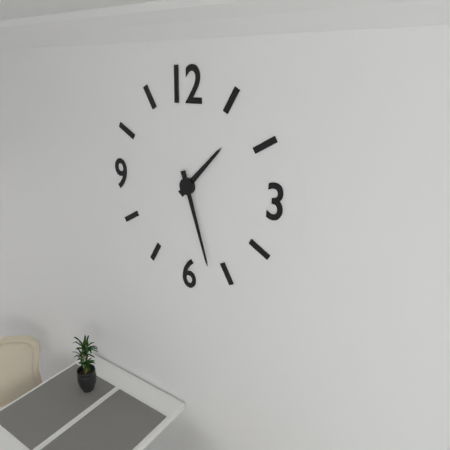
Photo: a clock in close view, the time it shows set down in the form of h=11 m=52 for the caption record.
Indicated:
h=1 m=27
